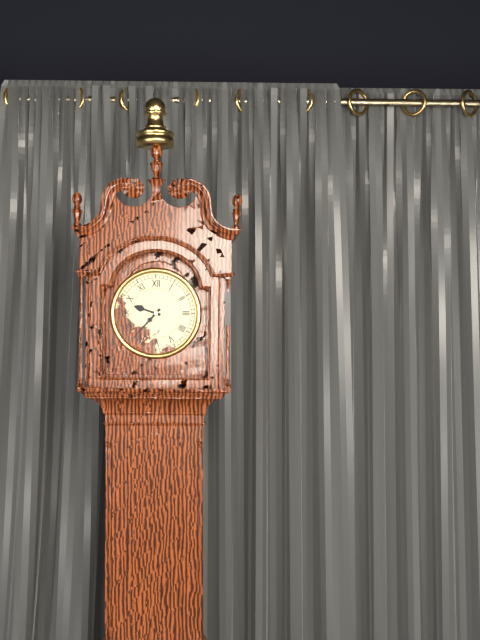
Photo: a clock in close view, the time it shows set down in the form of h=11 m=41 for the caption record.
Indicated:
h=9 m=37
